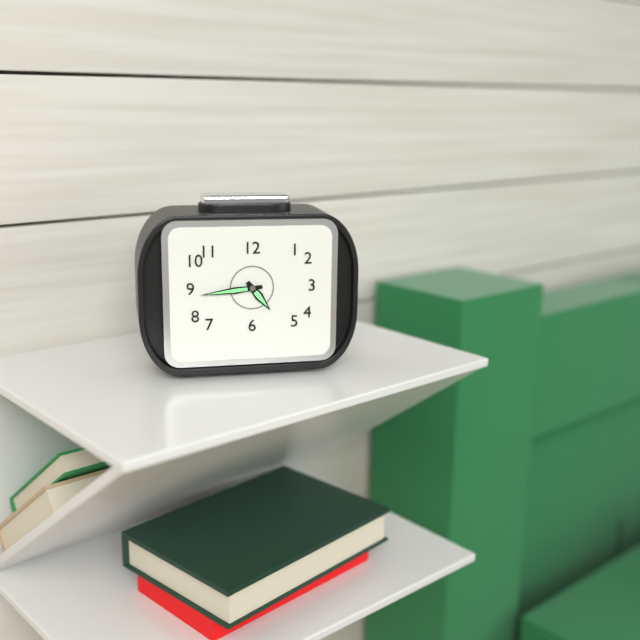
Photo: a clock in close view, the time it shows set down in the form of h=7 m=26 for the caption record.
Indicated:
h=4 m=44
